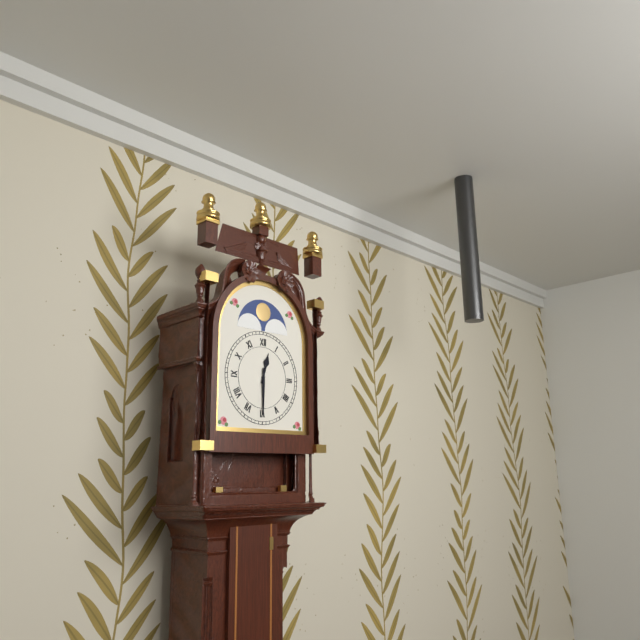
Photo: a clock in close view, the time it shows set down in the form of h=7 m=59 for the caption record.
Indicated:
h=12 m=30
